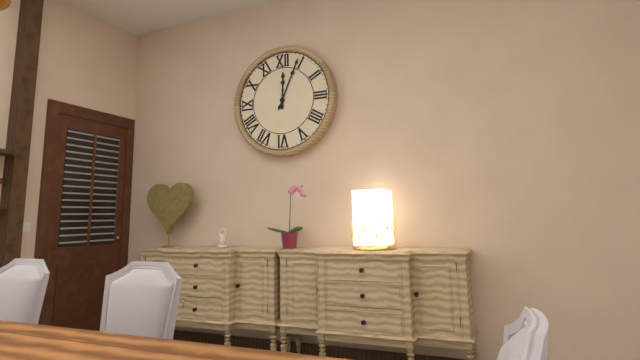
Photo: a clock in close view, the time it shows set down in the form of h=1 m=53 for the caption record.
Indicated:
h=12 m=4
